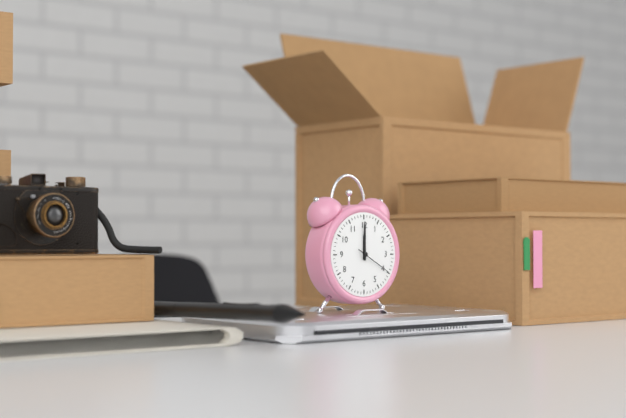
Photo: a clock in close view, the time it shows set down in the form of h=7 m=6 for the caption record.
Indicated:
h=12 m=0
